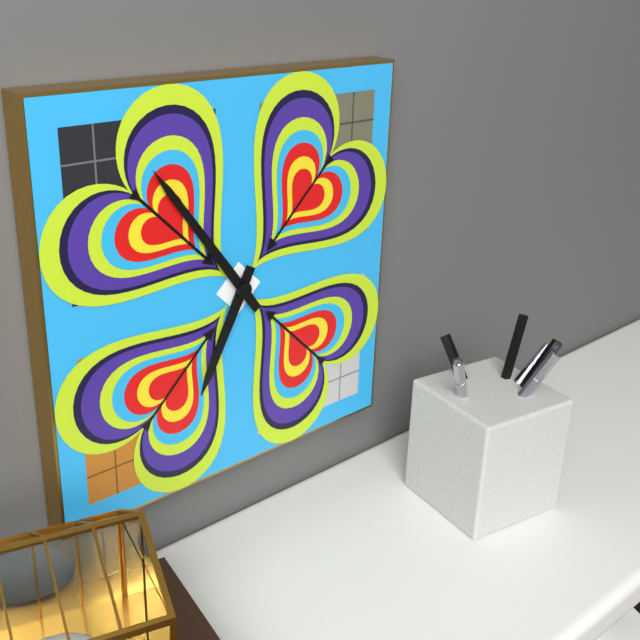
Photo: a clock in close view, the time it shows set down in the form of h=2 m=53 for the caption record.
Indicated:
h=6 m=54
